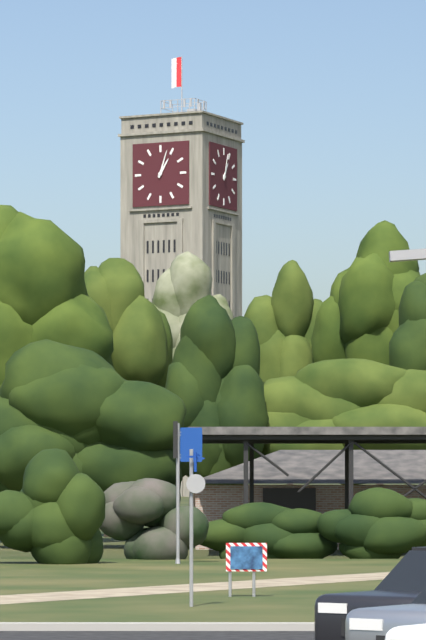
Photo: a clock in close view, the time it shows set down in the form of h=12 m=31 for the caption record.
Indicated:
h=1 m=3
